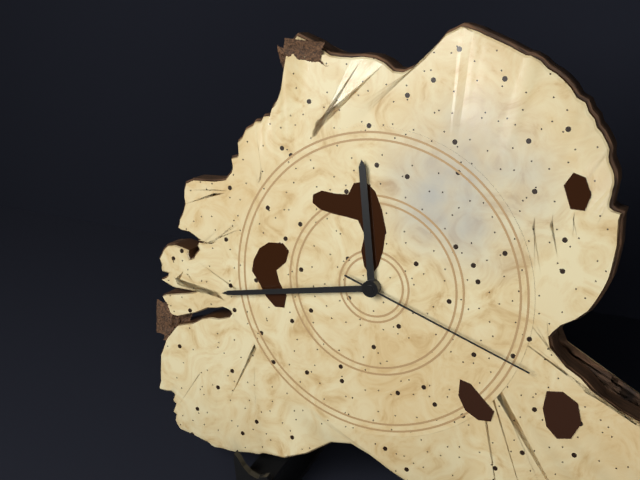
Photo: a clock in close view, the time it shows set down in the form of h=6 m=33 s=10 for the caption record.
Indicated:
h=11 m=43 s=18
